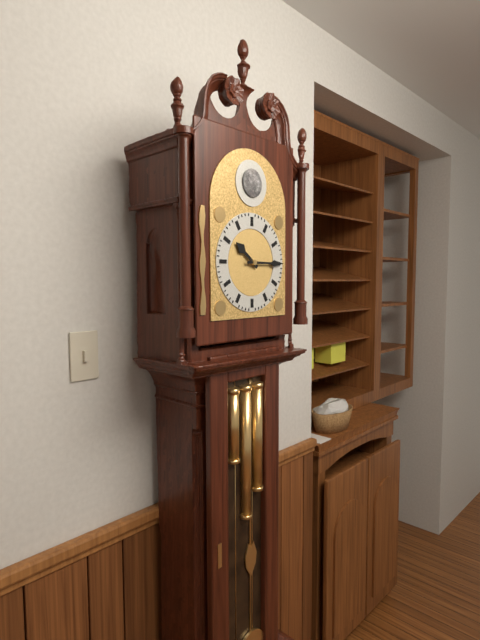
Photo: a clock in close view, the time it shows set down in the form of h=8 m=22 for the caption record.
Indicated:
h=10 m=15
